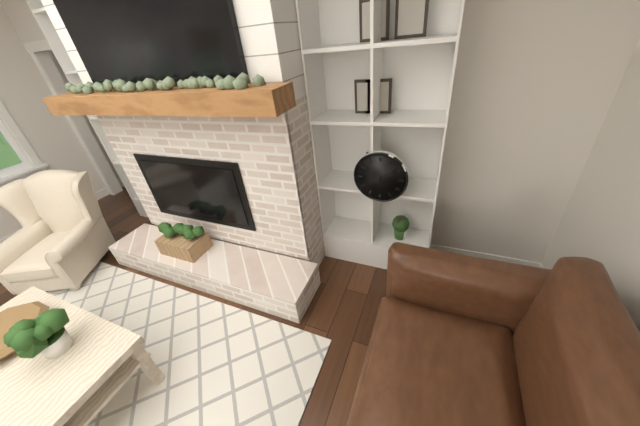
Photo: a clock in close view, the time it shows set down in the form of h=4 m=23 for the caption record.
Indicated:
h=2 m=9
